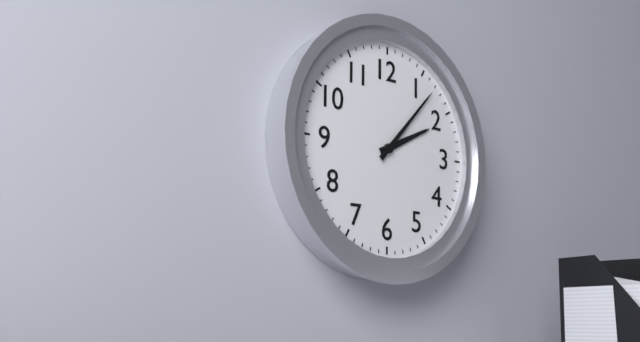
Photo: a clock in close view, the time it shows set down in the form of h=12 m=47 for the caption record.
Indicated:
h=2 m=7
